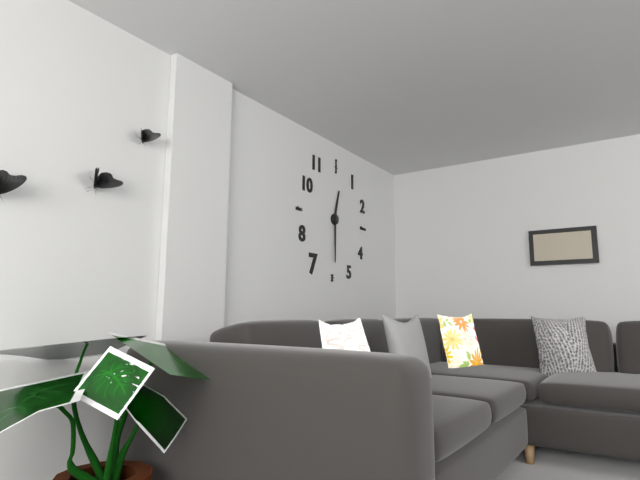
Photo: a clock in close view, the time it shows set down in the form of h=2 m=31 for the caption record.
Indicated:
h=12 m=30
